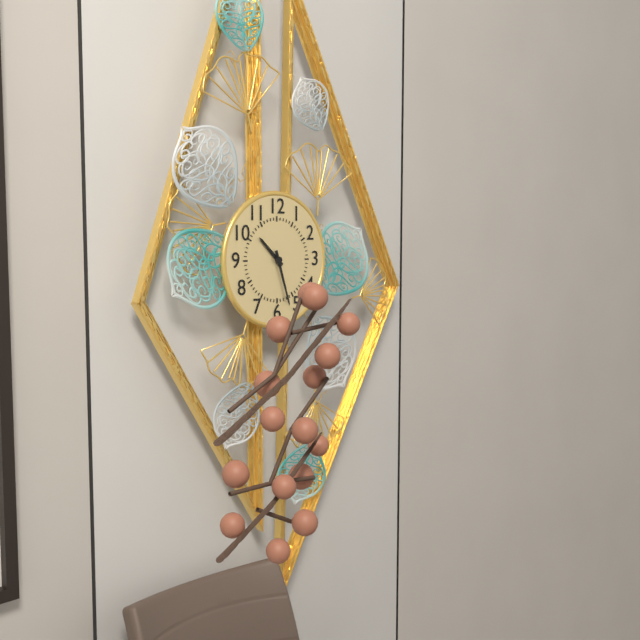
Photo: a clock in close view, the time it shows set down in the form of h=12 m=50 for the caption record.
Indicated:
h=10 m=27
